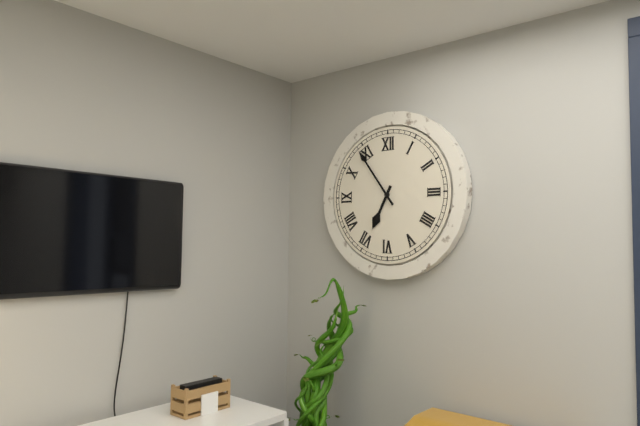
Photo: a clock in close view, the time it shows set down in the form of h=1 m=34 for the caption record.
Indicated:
h=6 m=54
